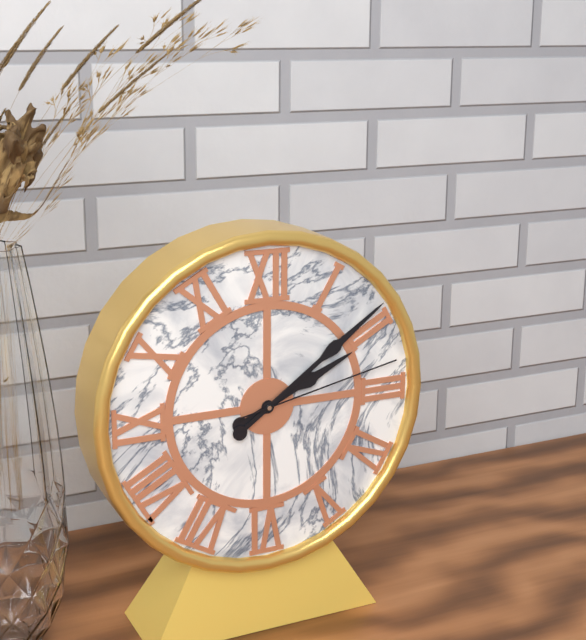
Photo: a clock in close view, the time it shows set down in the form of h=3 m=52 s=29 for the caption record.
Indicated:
h=2 m=9 s=13
